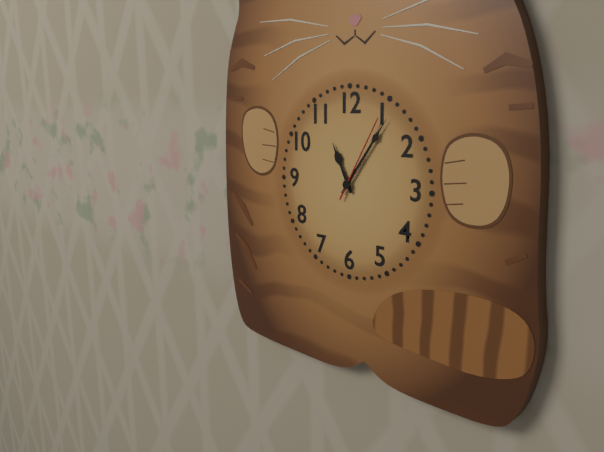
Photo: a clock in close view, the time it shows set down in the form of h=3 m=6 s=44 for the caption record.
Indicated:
h=11 m=6 s=5
